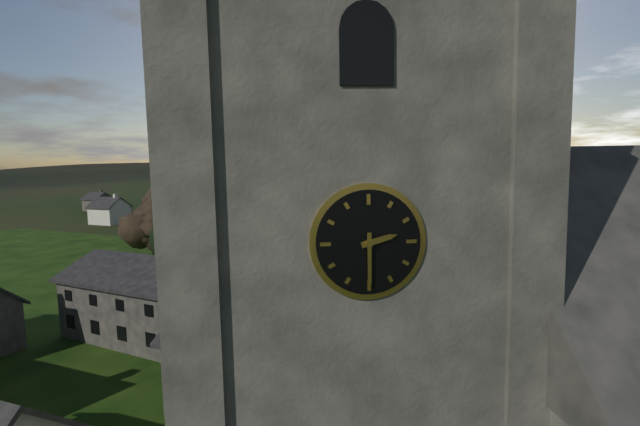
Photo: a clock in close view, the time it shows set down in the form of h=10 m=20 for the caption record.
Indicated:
h=2 m=30
